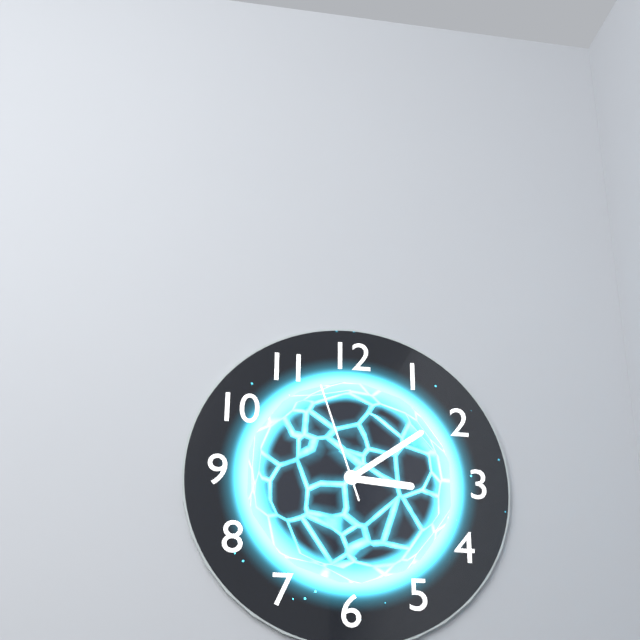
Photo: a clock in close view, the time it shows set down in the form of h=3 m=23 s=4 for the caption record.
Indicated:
h=3 m=9 s=57
